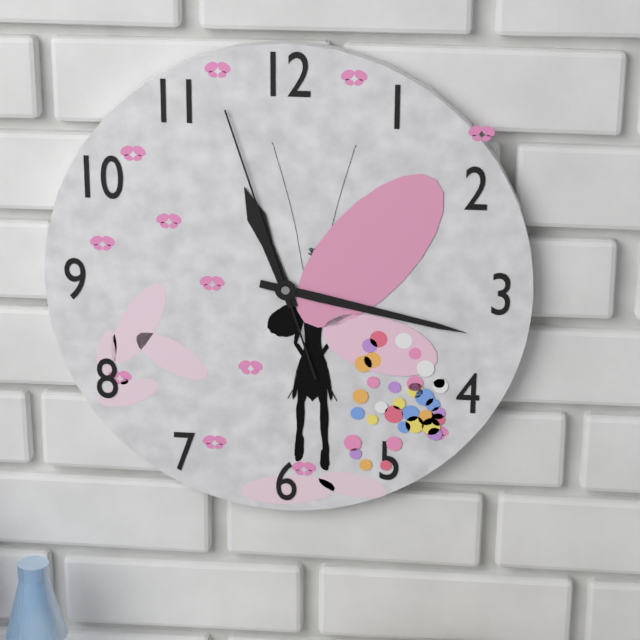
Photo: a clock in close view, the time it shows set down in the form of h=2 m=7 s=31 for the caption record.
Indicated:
h=11 m=17 s=57
